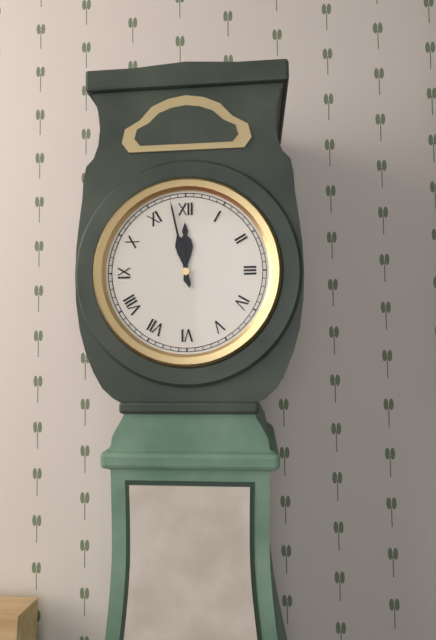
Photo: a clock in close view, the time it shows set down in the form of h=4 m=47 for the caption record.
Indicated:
h=11 m=58
